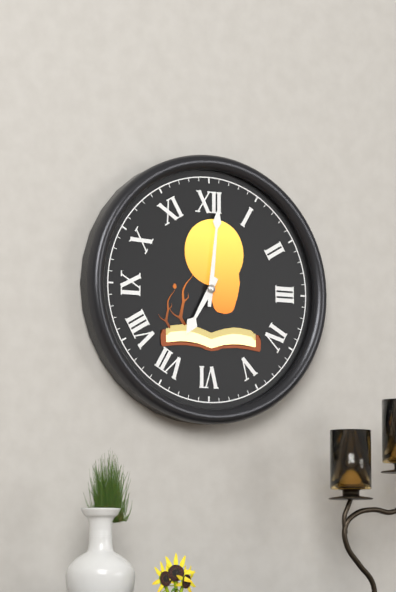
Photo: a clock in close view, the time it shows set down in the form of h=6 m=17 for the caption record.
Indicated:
h=7 m=1
